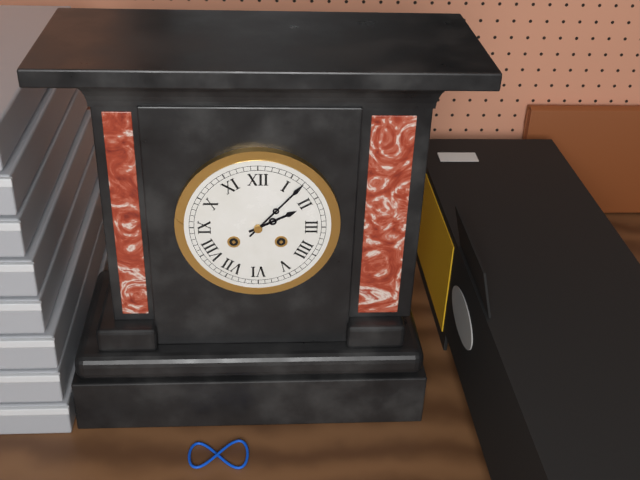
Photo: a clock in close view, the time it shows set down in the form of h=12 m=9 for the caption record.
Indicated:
h=2 m=7
